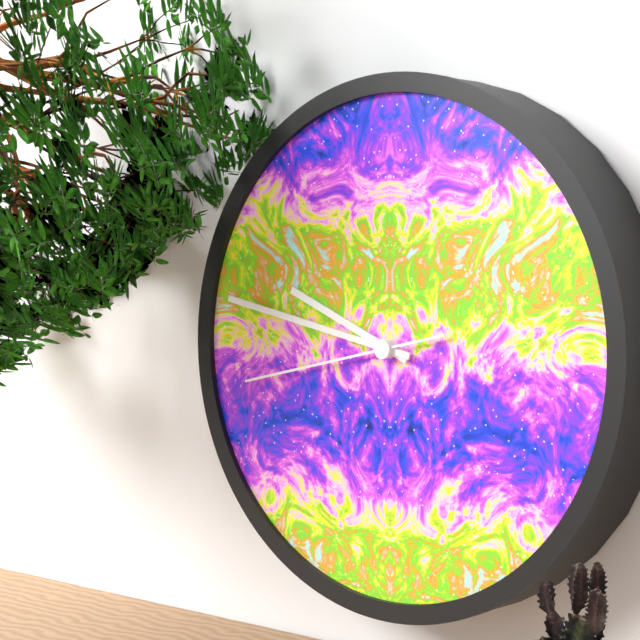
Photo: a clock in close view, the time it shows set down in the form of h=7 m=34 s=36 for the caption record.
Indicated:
h=9 m=47 s=43
